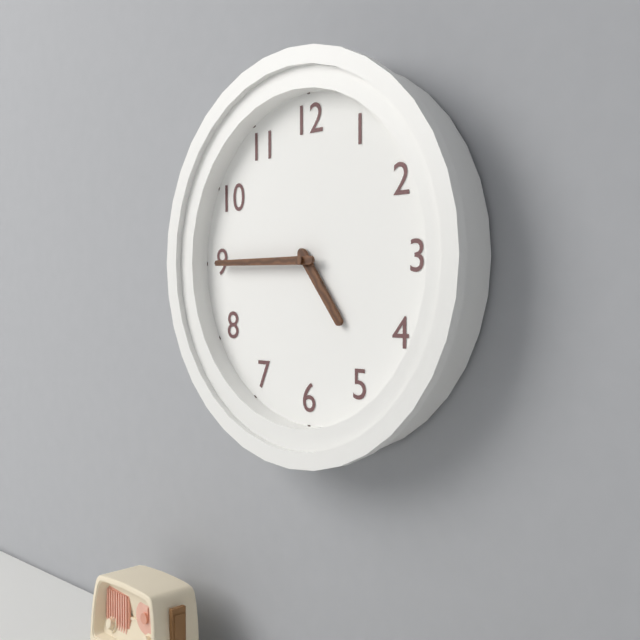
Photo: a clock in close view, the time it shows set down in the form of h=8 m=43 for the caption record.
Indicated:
h=4 m=45
